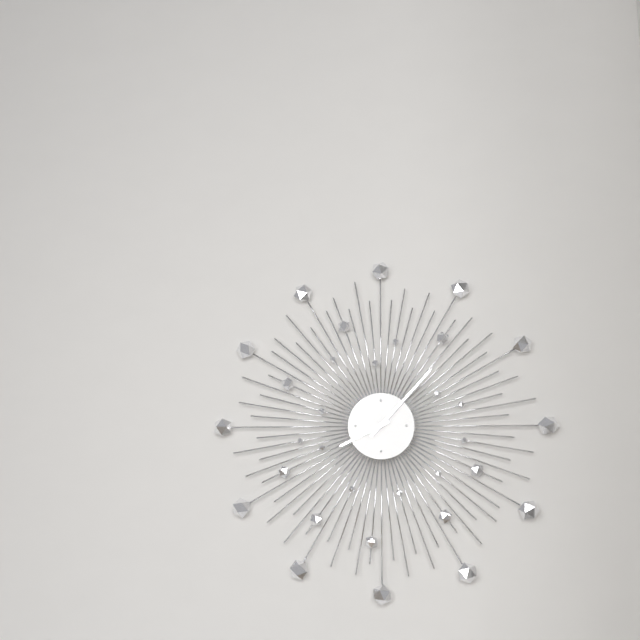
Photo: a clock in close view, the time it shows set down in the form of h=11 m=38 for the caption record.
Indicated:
h=8 m=7
